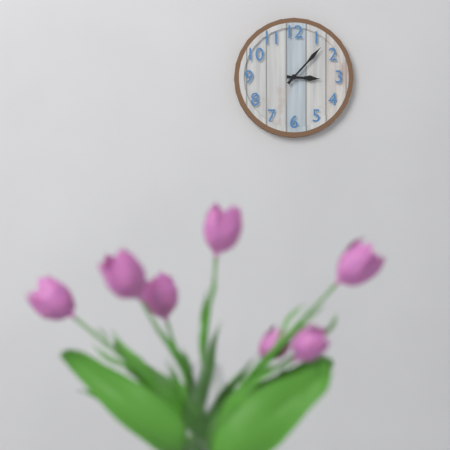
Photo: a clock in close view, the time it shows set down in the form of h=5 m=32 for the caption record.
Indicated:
h=3 m=7
